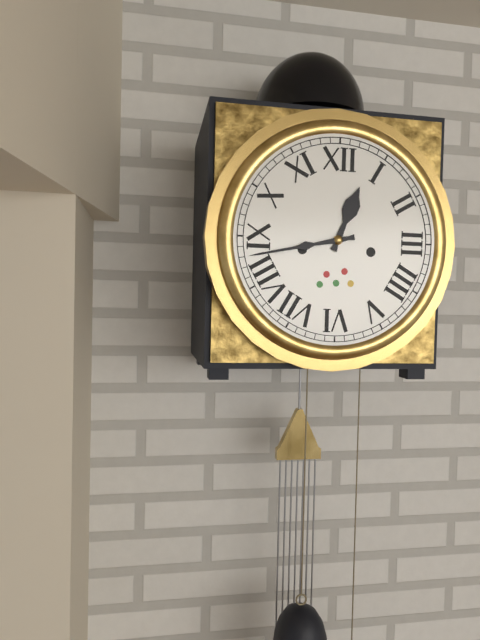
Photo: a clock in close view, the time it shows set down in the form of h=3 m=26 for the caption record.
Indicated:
h=12 m=43
